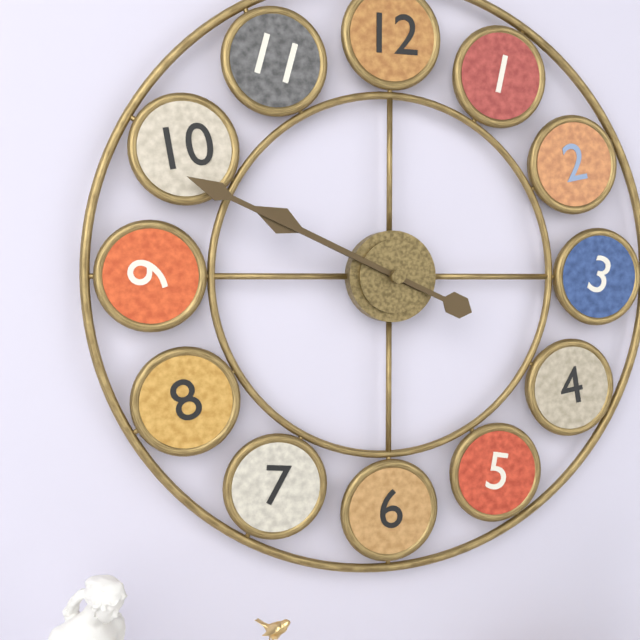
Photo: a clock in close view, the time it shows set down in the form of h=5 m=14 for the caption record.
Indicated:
h=9 m=49
